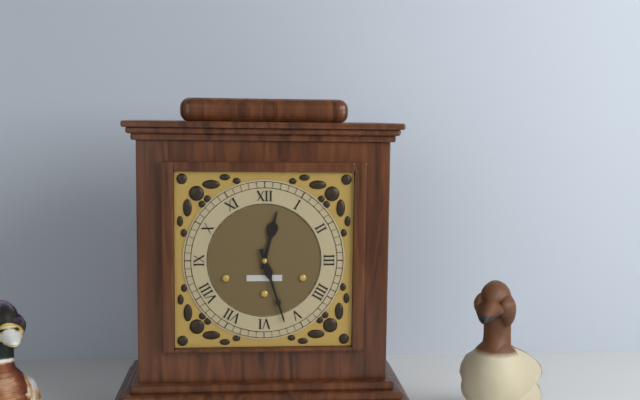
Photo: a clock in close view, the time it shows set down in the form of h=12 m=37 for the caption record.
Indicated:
h=12 m=27
